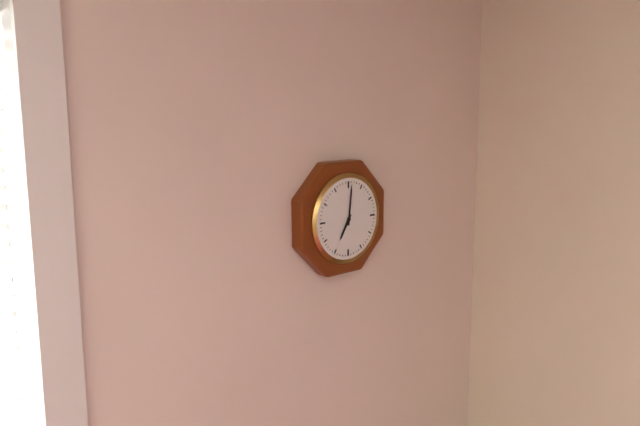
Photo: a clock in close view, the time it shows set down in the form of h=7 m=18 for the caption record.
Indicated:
h=7 m=1
